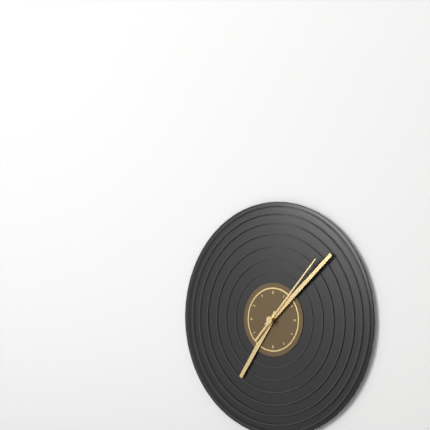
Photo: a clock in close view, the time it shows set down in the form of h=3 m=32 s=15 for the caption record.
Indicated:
h=7 m=8 s=7
